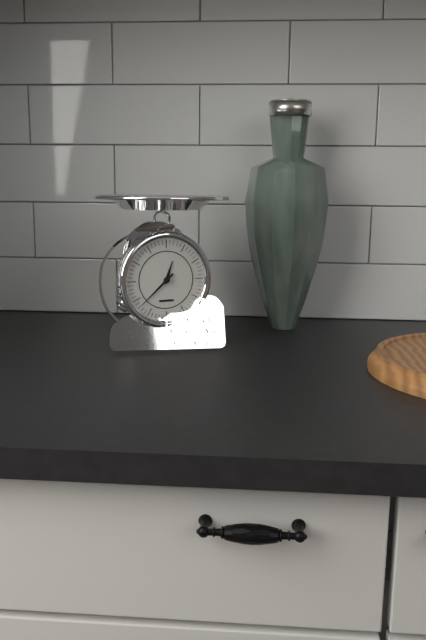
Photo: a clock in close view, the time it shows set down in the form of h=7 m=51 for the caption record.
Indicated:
h=12 m=38
